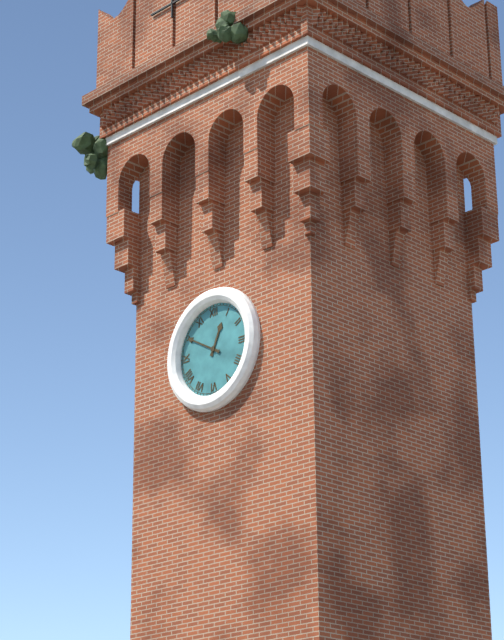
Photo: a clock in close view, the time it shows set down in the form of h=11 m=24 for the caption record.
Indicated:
h=12 m=50
